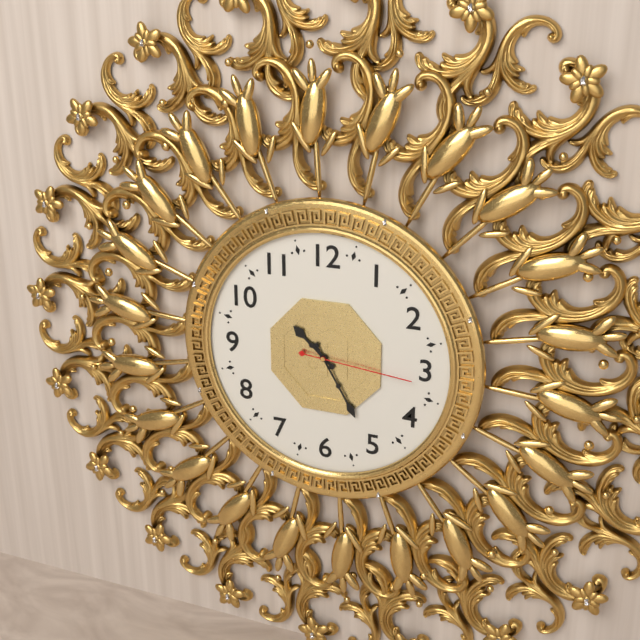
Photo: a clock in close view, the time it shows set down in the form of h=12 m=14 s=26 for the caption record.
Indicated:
h=10 m=25 s=16
